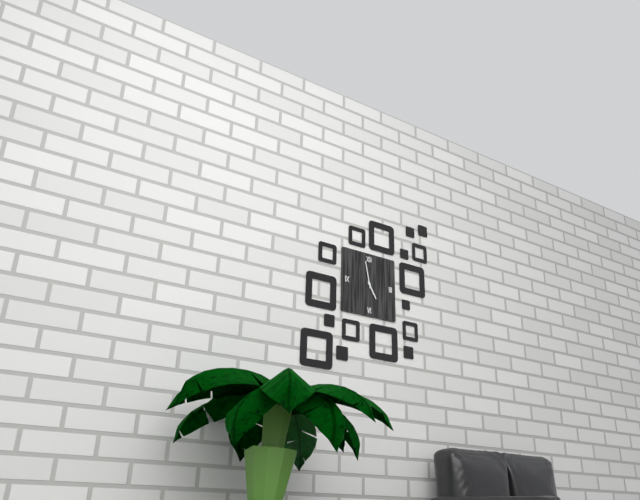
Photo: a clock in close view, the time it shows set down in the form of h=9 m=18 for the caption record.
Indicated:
h=4 m=58
